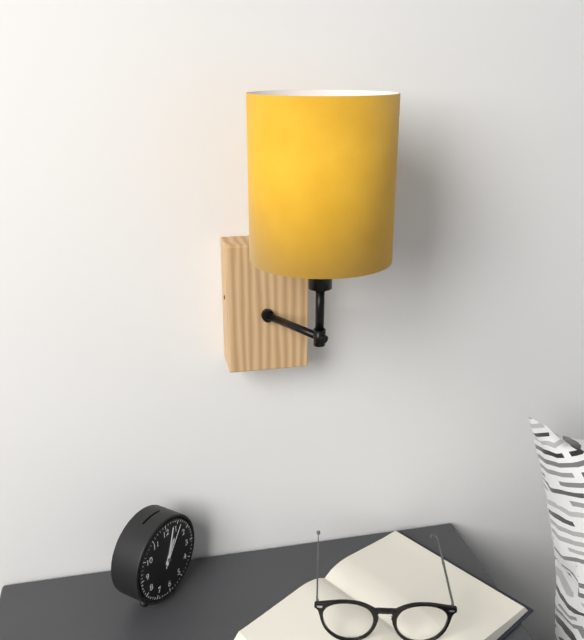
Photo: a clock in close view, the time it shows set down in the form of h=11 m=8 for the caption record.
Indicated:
h=1 m=3
